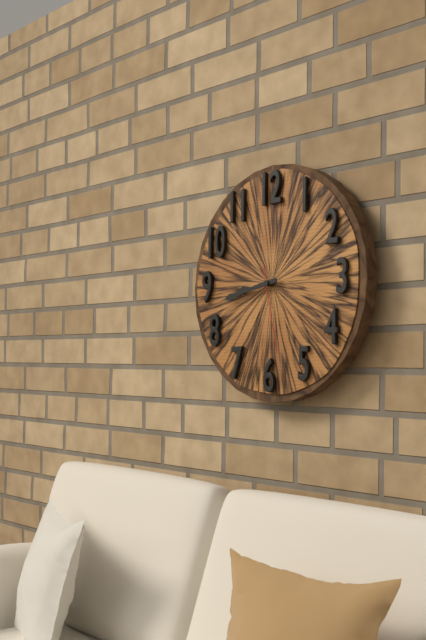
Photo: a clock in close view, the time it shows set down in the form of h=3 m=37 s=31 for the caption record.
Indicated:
h=8 m=43 s=28
